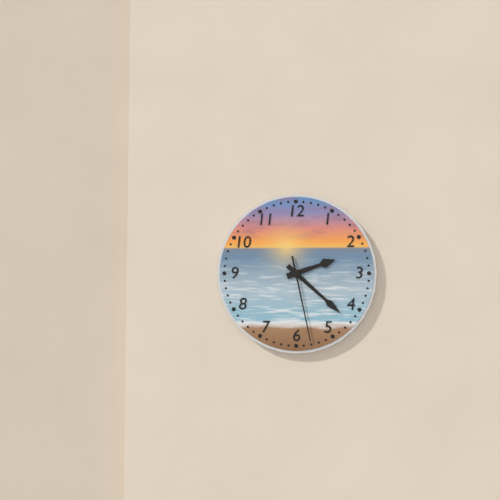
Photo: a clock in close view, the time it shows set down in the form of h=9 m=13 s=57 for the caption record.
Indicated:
h=2 m=22 s=28
